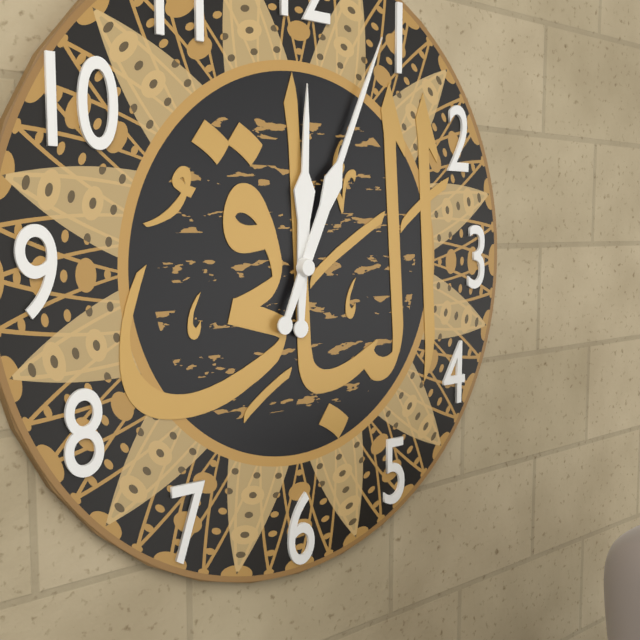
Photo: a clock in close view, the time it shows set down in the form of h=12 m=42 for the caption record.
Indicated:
h=12 m=4
